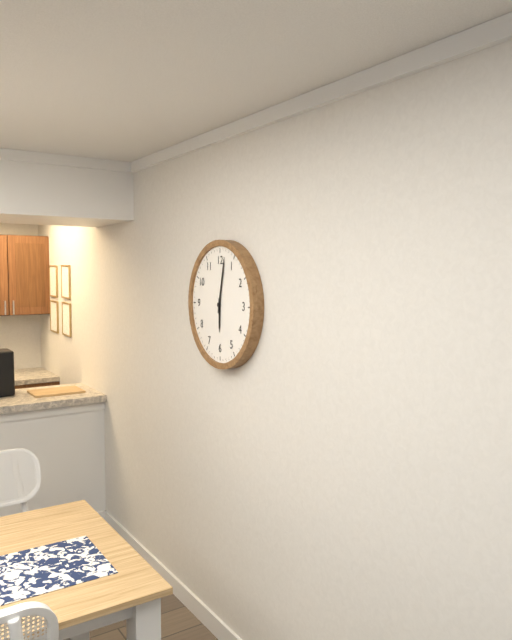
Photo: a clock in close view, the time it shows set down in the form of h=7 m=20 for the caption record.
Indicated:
h=6 m=2
